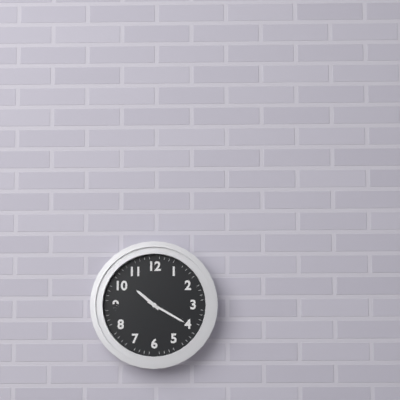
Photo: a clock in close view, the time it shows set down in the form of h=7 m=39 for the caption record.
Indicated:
h=10 m=20
